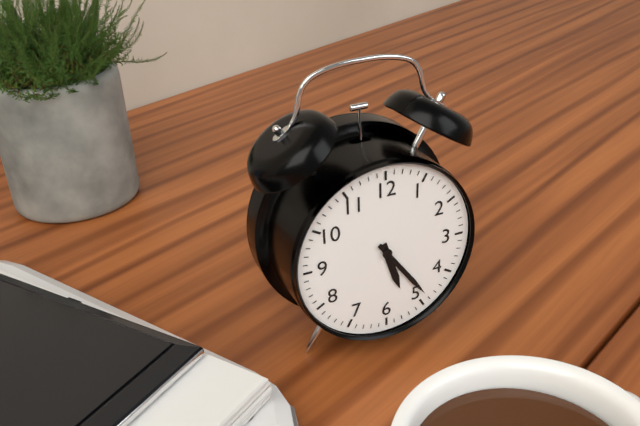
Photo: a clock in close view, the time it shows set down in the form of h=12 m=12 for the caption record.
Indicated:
h=5 m=24
